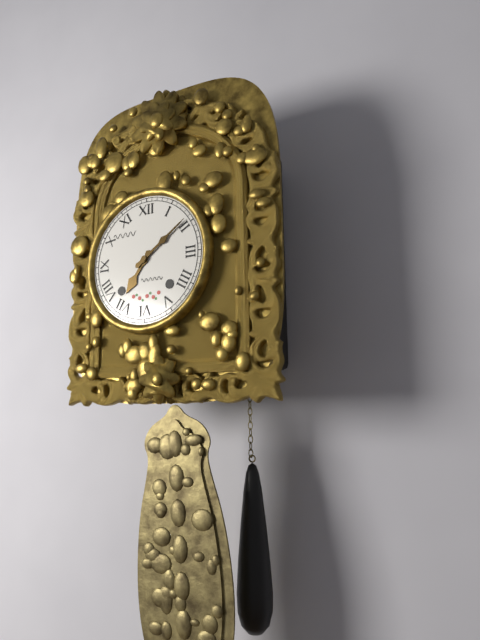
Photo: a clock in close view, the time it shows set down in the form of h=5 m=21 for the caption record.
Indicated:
h=7 m=9
